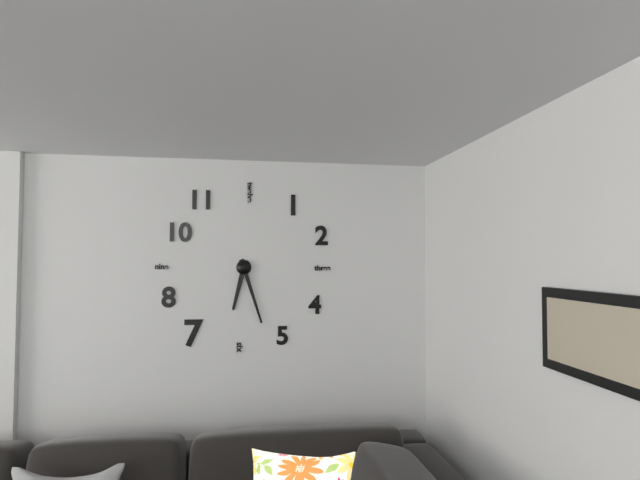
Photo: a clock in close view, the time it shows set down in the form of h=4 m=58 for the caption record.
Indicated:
h=6 m=27
